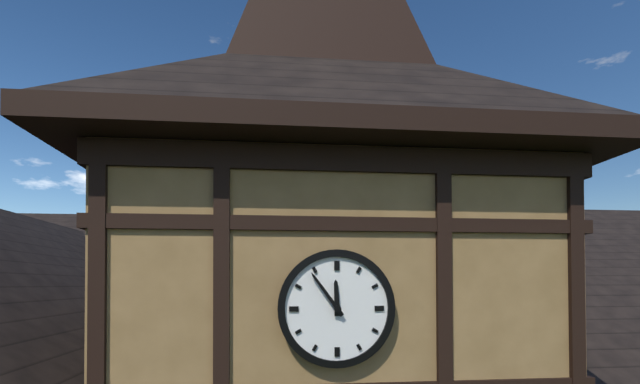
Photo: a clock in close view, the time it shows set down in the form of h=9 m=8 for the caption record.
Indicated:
h=11 m=54
